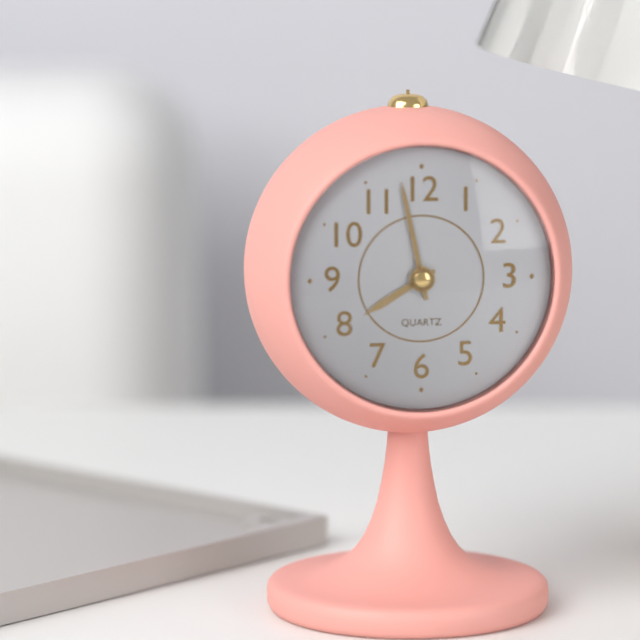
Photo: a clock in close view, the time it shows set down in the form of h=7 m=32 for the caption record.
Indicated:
h=7 m=58
